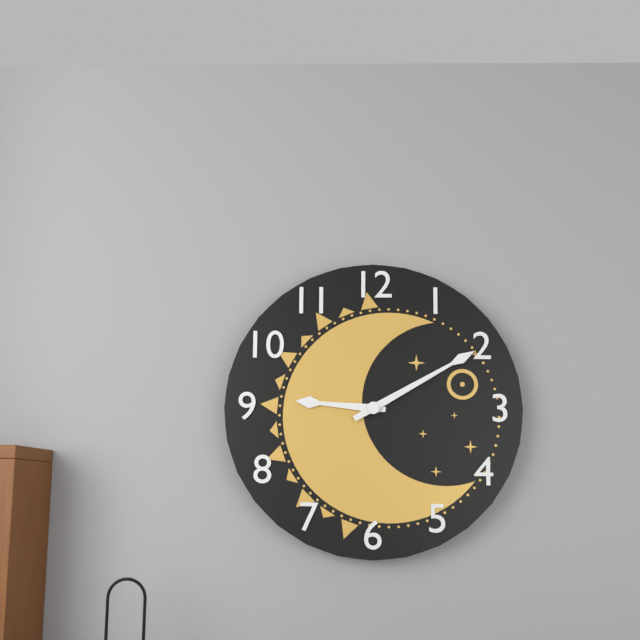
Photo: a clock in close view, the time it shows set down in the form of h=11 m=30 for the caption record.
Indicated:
h=9 m=10
